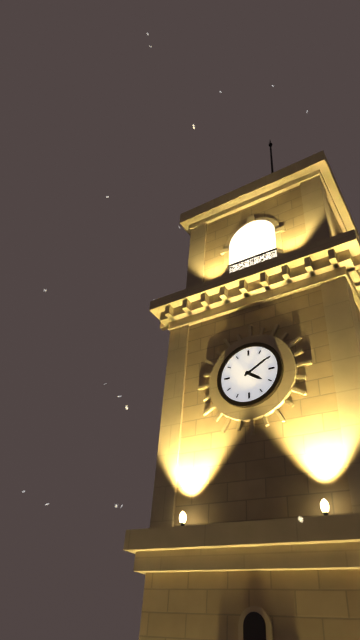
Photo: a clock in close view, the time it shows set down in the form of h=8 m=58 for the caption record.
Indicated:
h=4 m=10
